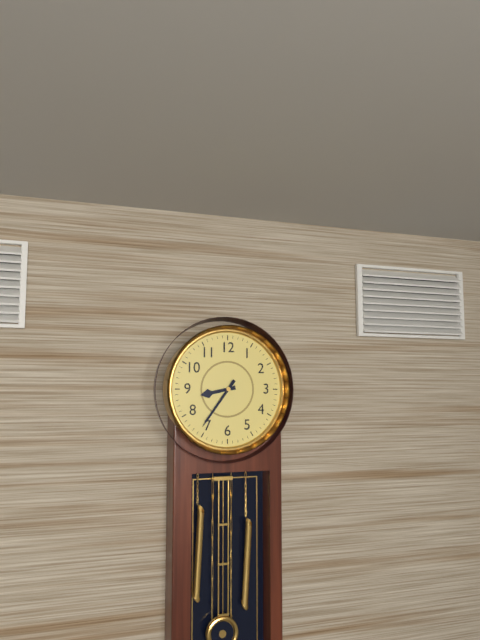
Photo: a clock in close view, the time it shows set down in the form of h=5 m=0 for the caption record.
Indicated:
h=8 m=36
